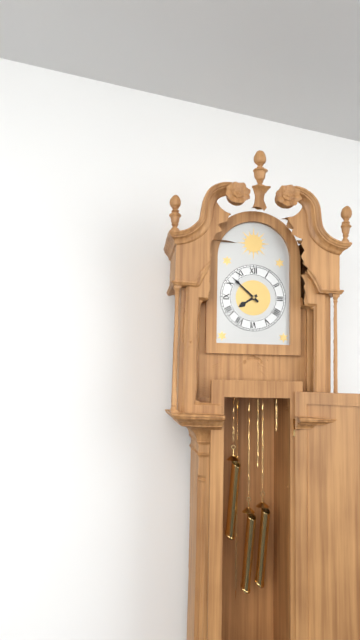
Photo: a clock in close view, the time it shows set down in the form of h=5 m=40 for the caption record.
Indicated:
h=7 m=52
